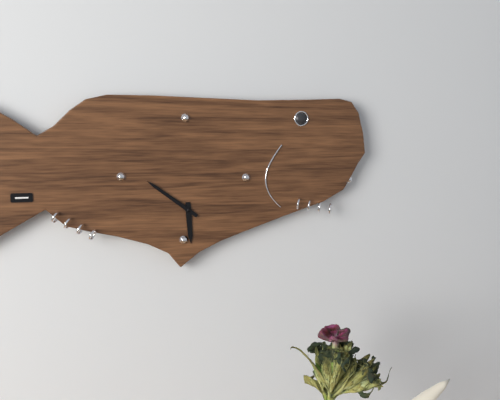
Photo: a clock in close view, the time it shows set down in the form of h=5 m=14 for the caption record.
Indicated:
h=5 m=51
